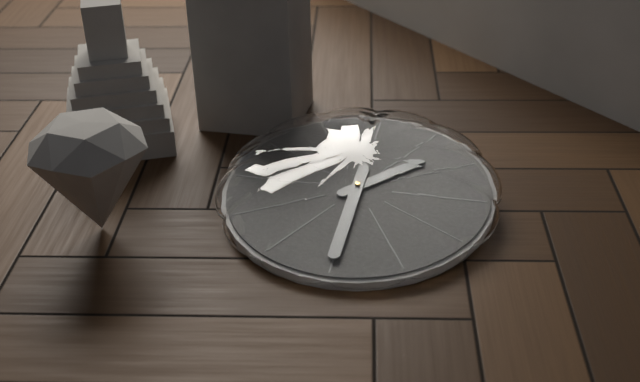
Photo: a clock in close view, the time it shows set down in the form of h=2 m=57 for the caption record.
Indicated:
h=1 m=30
